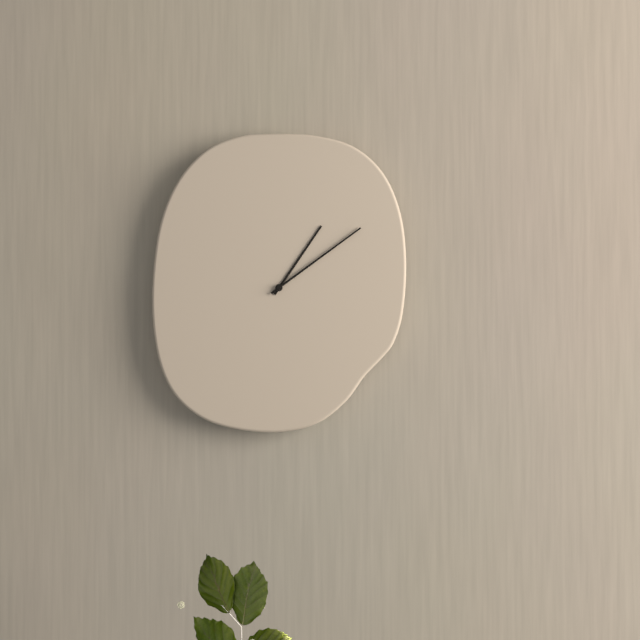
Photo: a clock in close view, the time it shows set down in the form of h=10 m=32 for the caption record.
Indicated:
h=1 m=9
